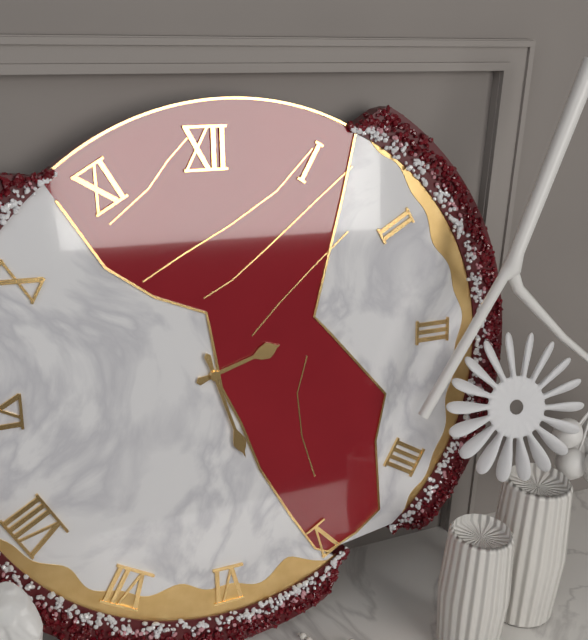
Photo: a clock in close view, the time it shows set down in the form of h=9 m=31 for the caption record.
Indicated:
h=2 m=27
